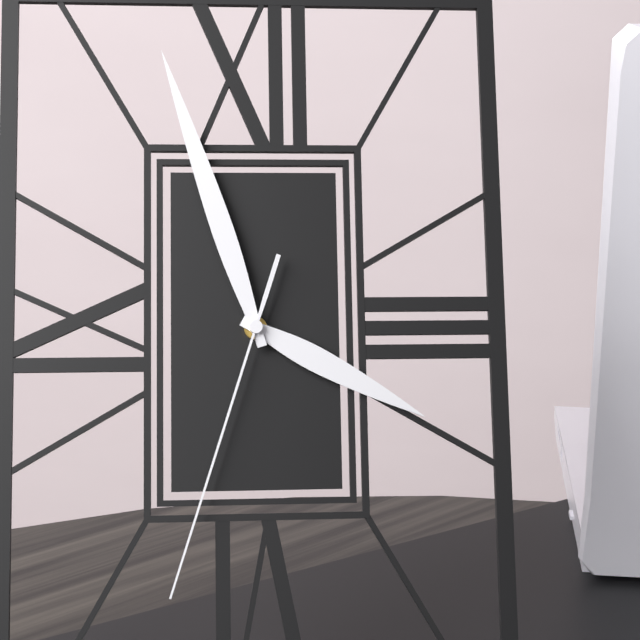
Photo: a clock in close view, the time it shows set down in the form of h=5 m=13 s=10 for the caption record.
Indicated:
h=3 m=57 s=33
